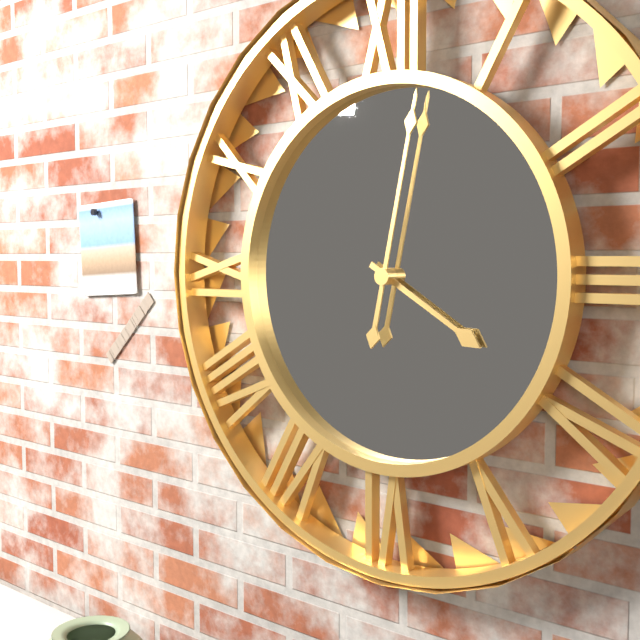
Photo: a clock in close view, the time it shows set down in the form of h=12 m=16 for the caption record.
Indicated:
h=4 m=2
